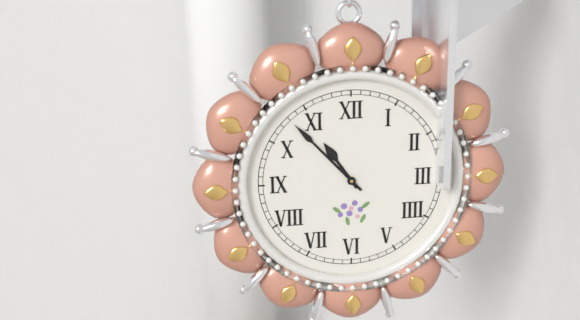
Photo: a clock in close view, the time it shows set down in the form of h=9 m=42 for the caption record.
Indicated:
h=10 m=53
